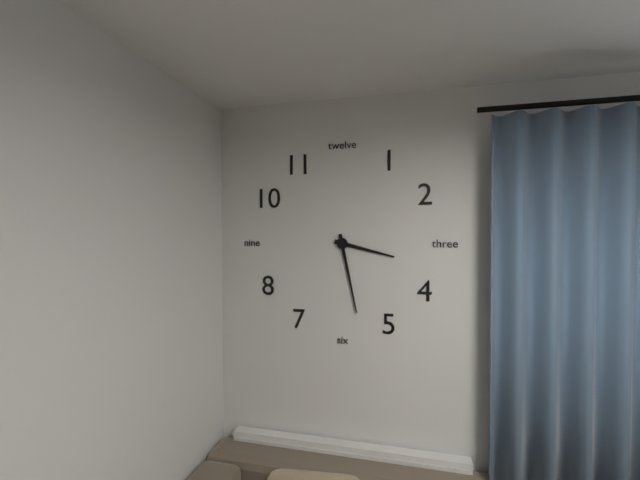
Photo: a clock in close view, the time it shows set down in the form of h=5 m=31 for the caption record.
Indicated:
h=3 m=28
